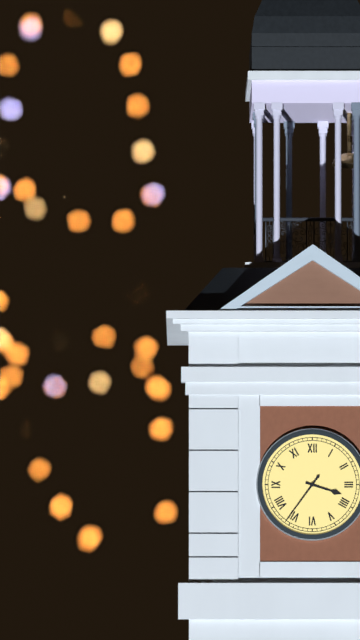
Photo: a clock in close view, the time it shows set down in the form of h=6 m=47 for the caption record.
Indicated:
h=3 m=36
